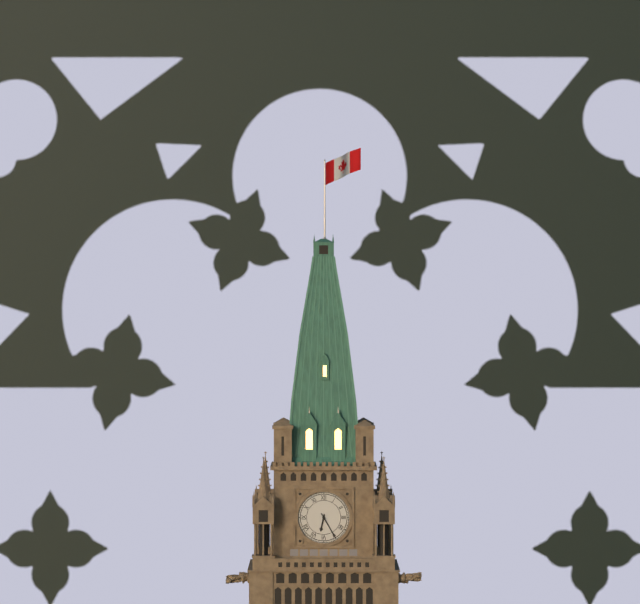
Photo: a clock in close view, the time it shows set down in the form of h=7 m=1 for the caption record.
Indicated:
h=6 m=25
